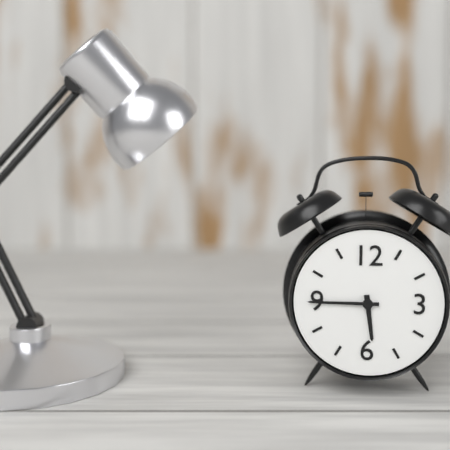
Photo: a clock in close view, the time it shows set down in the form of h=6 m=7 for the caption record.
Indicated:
h=5 m=45
